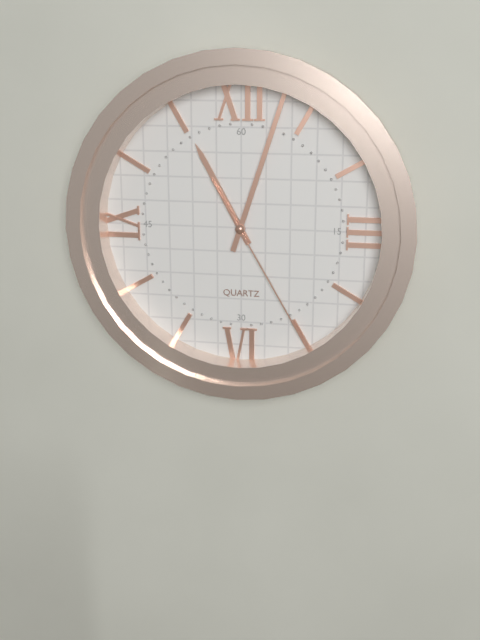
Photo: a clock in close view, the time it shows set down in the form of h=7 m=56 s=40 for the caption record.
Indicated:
h=11 m=3 s=25
